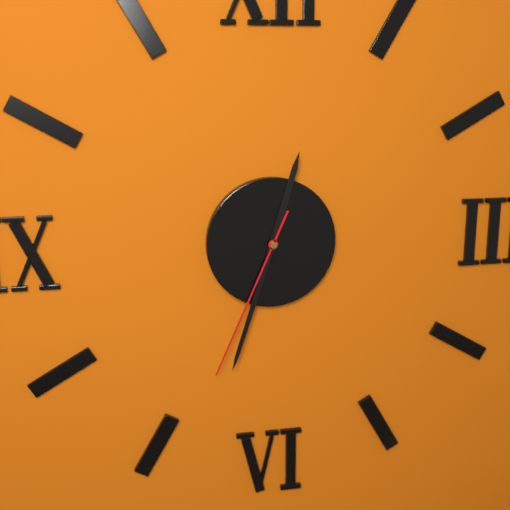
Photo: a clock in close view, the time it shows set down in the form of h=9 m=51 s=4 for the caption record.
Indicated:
h=12 m=33 s=34
